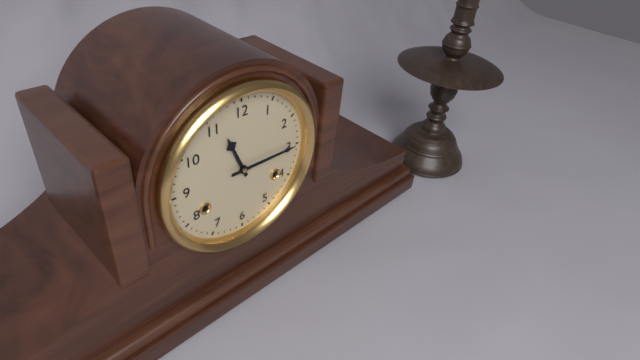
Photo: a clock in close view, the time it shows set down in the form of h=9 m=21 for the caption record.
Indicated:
h=11 m=15
